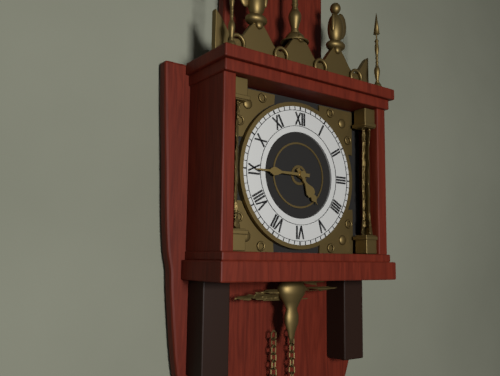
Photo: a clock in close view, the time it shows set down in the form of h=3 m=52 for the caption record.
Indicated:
h=4 m=45
